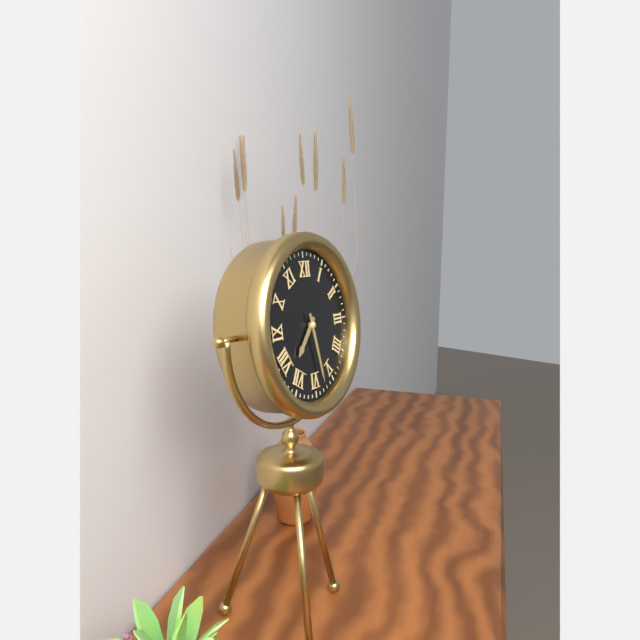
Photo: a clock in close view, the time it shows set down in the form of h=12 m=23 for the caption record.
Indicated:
h=7 m=28
